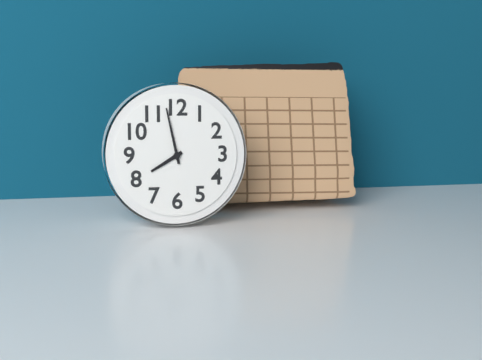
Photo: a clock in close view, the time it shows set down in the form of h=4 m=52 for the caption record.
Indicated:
h=7 m=58
